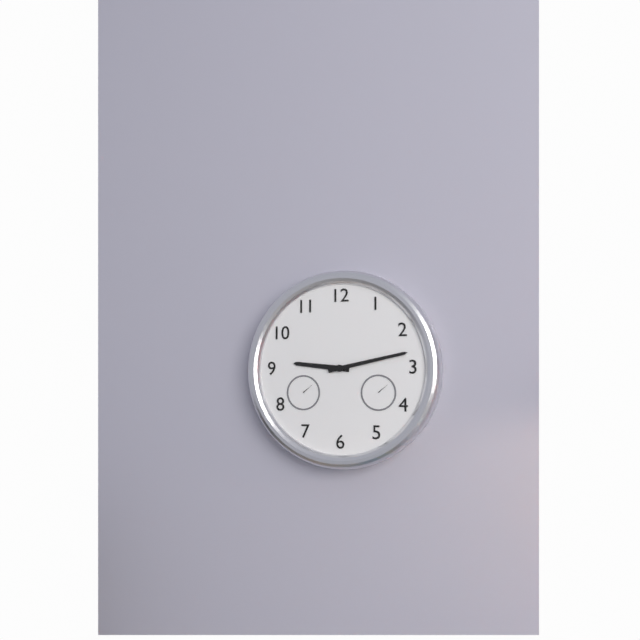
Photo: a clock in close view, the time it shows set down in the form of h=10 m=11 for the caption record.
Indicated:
h=9 m=13
